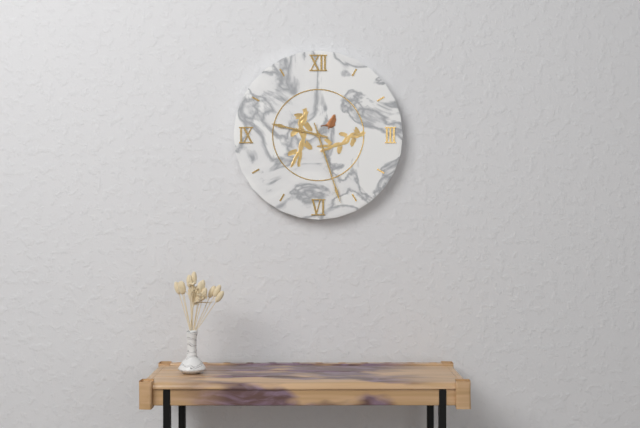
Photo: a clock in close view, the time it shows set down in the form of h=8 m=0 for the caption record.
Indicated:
h=9 m=27
